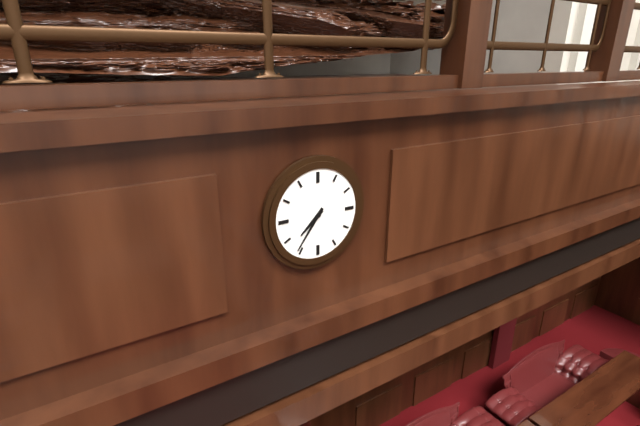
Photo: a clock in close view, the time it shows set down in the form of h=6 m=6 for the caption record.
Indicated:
h=7 m=36
